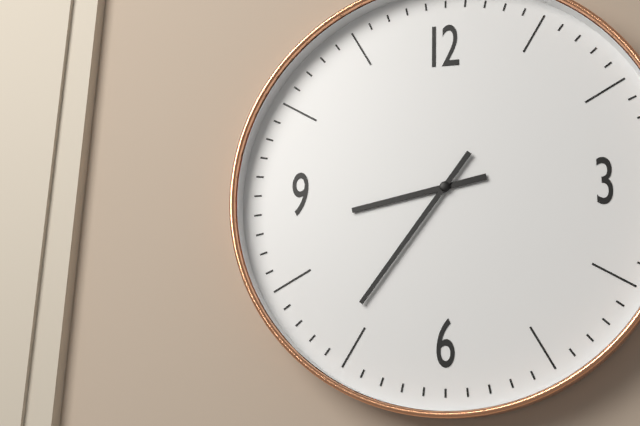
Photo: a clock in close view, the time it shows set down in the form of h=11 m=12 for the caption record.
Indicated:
h=8 m=36
